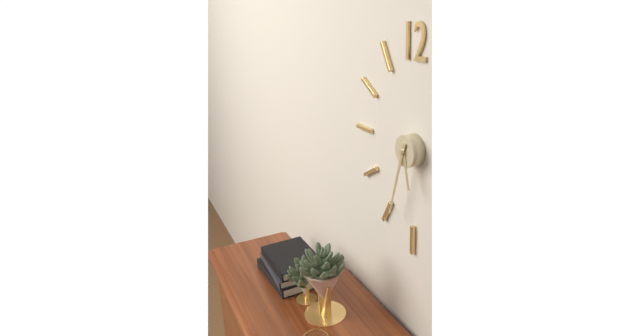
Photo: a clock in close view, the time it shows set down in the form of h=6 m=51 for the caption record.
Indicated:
h=5 m=33
